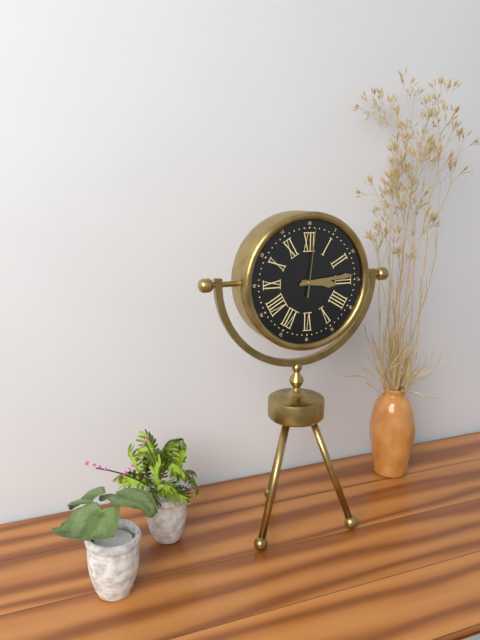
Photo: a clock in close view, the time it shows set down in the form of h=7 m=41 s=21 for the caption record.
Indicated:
h=3 m=14 s=1
